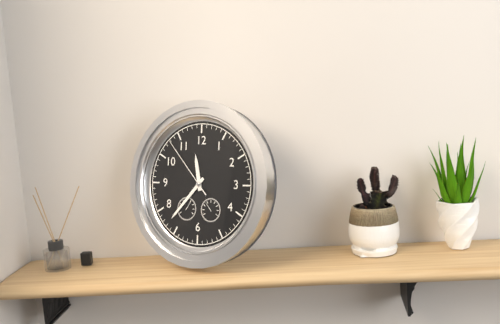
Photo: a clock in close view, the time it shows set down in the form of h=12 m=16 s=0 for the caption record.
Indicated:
h=11 m=37 s=53
